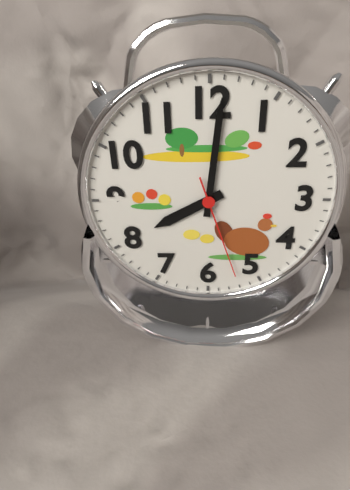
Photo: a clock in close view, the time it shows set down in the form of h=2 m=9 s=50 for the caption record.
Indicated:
h=8 m=1 s=27
